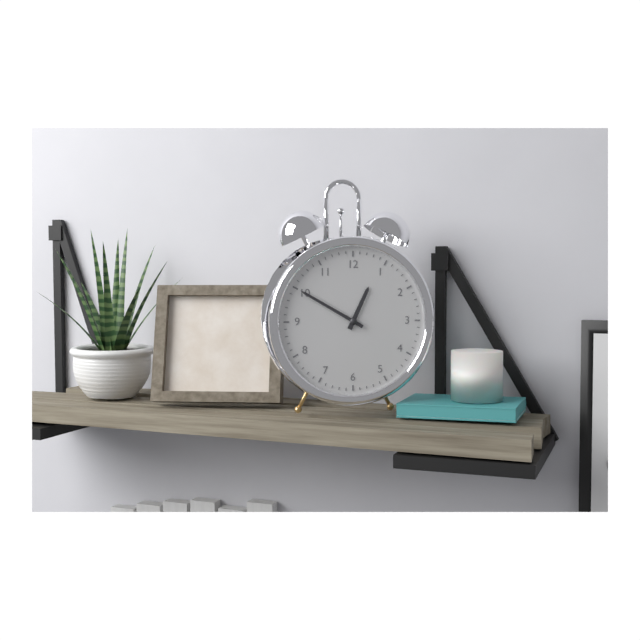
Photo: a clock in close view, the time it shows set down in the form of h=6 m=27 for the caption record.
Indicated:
h=12 m=50
